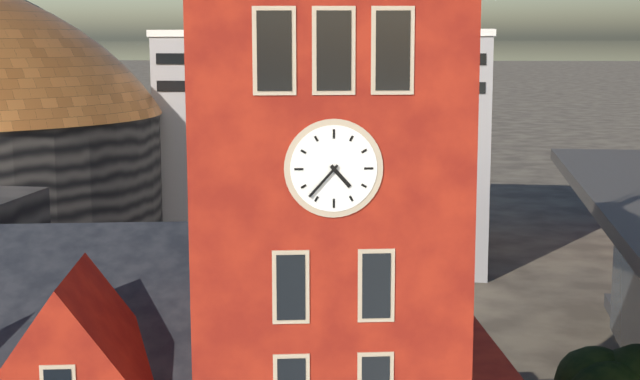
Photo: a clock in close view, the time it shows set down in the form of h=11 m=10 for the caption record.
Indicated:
h=4 m=37
